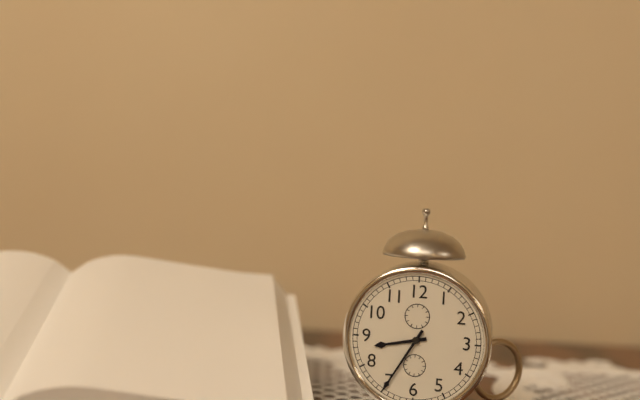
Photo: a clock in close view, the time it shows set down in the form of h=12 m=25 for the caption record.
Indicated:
h=8 m=35
